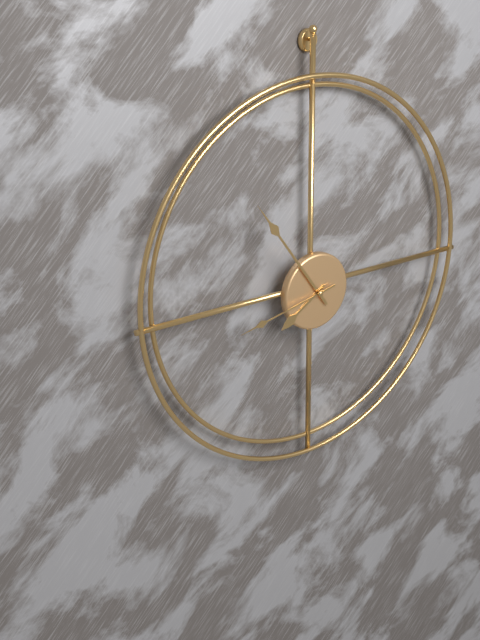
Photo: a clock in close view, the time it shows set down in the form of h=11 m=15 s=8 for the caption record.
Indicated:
h=7 m=54 s=43
